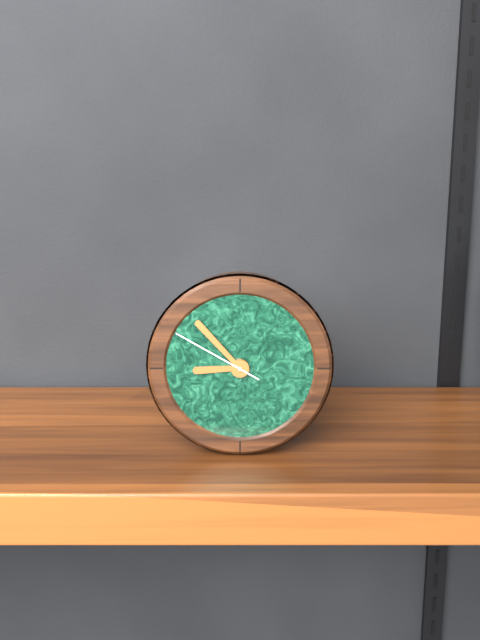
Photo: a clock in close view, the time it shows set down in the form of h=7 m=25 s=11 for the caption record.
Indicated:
h=8 m=53 s=50
